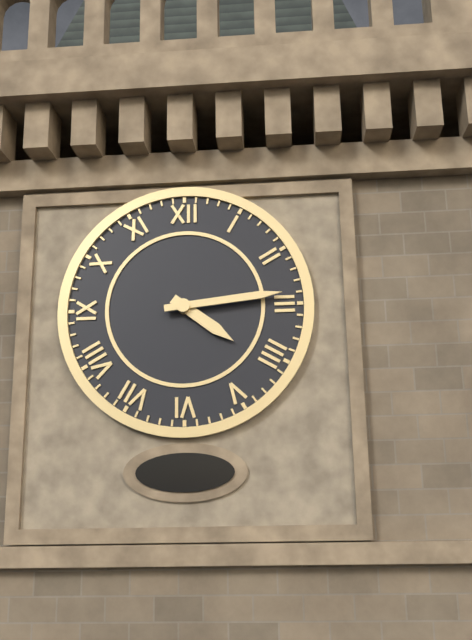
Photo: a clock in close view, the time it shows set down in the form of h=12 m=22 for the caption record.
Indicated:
h=4 m=14
